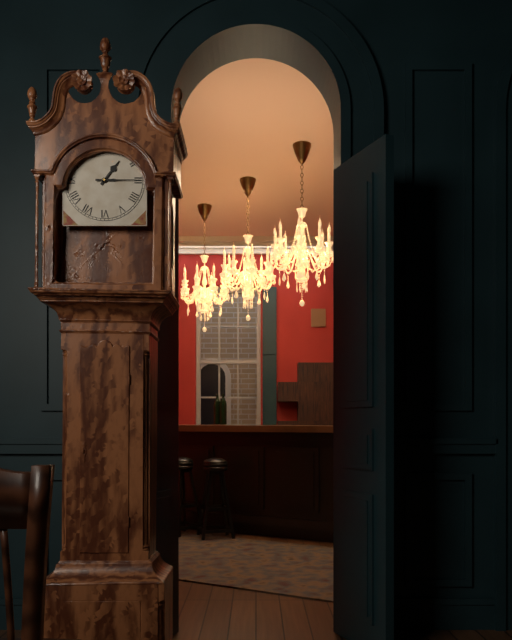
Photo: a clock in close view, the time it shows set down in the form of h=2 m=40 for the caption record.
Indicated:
h=1 m=15
